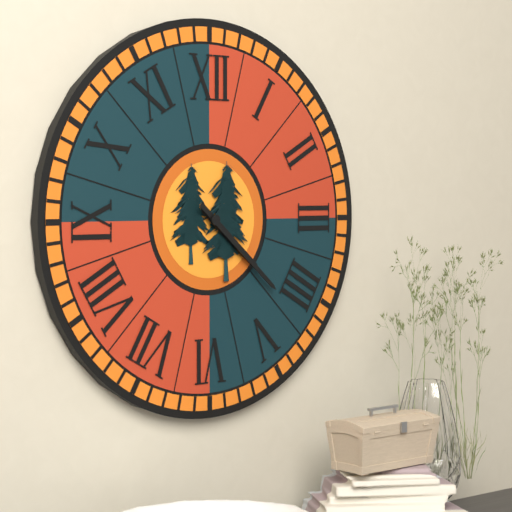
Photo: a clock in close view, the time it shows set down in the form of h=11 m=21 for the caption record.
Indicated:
h=4 m=22
